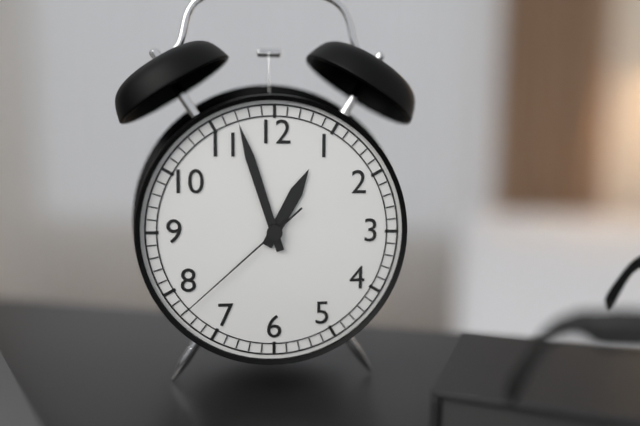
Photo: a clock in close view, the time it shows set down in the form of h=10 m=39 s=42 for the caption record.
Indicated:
h=12 m=57 s=38
